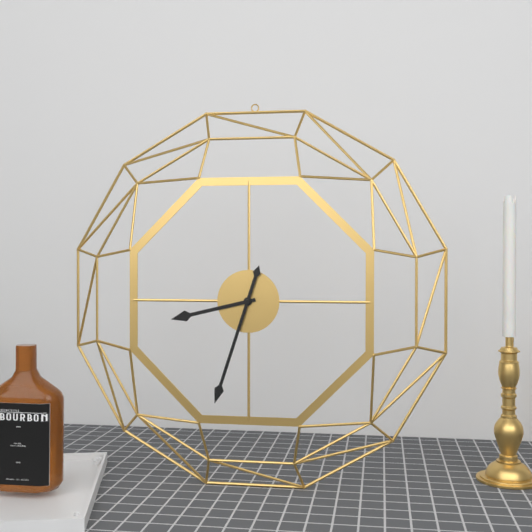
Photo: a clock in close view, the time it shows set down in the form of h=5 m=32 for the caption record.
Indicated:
h=8 m=33
